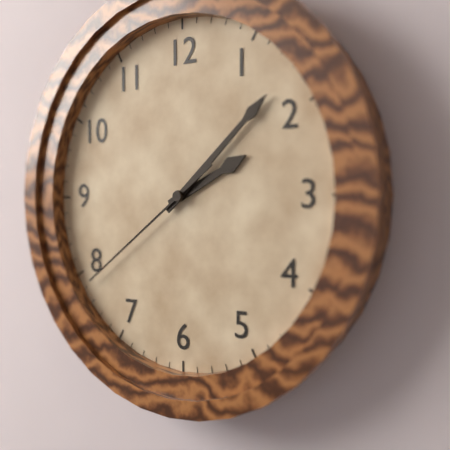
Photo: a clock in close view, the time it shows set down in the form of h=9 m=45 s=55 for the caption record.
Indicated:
h=2 m=8 s=39
